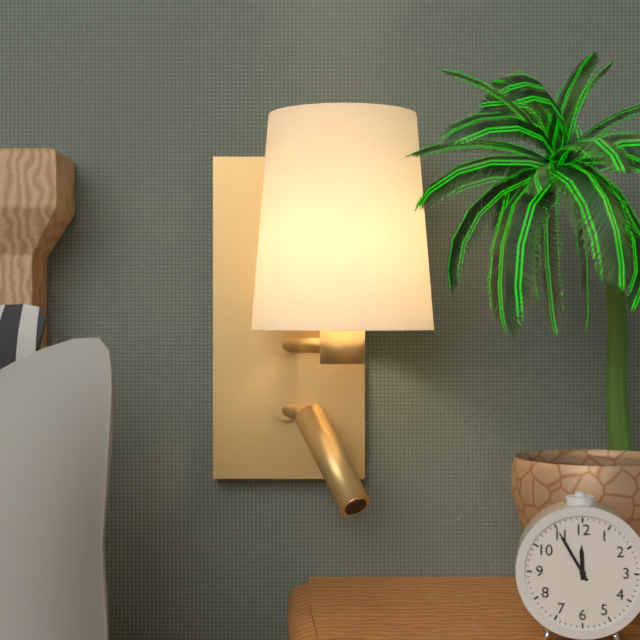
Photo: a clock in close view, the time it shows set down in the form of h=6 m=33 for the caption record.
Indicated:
h=11 m=55
